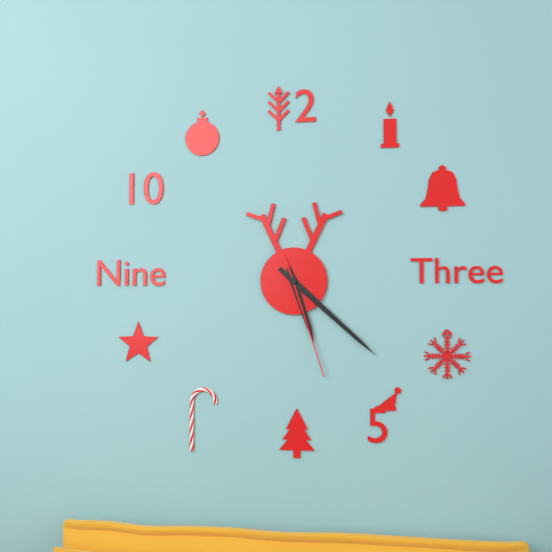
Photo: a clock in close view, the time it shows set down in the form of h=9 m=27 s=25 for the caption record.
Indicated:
h=5 m=22 s=27
